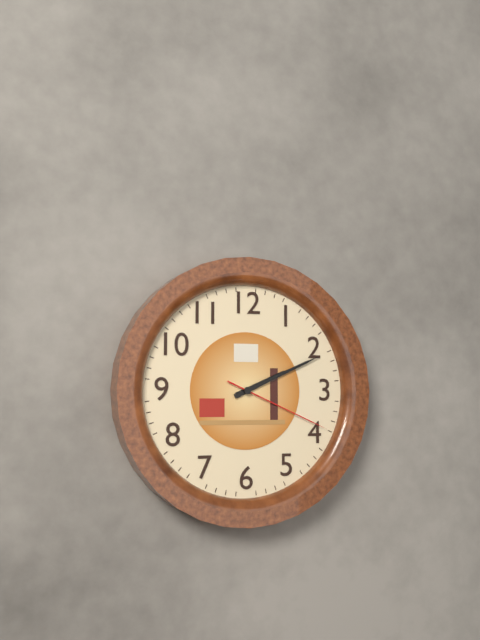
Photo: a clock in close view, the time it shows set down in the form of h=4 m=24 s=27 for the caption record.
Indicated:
h=2 m=11 s=19
